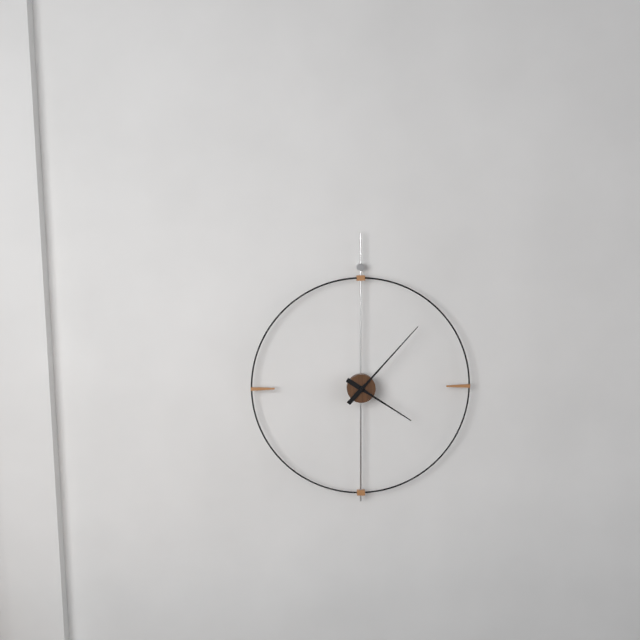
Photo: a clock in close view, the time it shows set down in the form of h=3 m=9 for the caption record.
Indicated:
h=4 m=7
